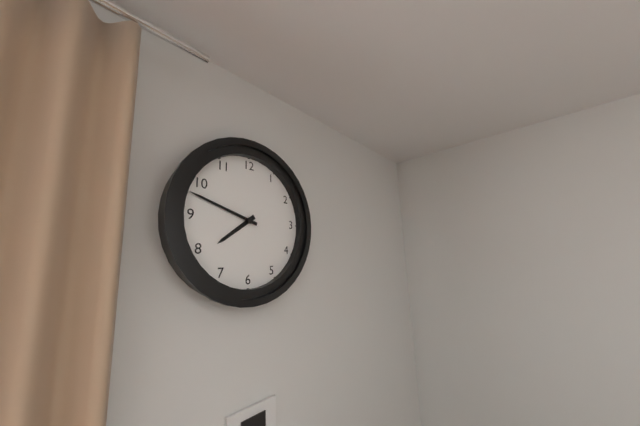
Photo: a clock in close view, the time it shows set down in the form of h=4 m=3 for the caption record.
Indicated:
h=7 m=48
